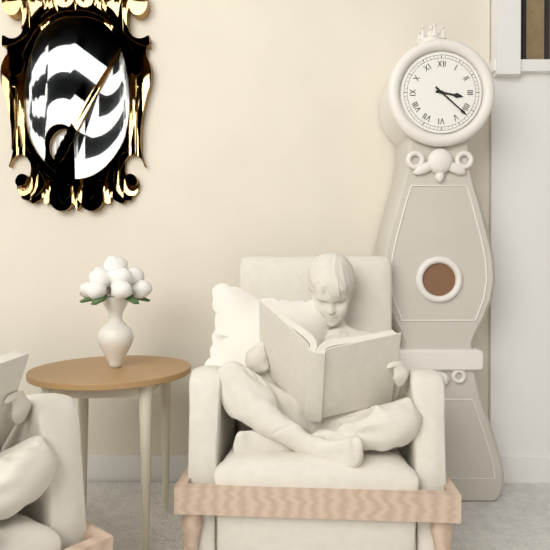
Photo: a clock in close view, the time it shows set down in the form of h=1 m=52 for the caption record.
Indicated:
h=3 m=22
